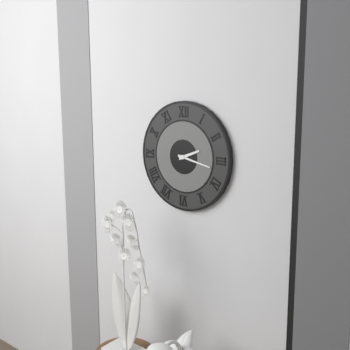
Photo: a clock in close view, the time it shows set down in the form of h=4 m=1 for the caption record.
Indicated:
h=2 m=17
